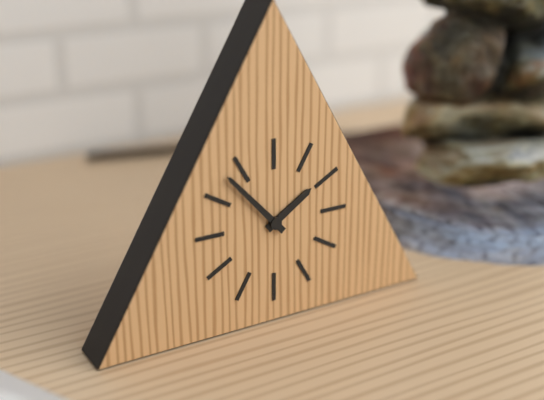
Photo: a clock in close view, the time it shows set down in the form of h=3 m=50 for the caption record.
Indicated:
h=1 m=53
